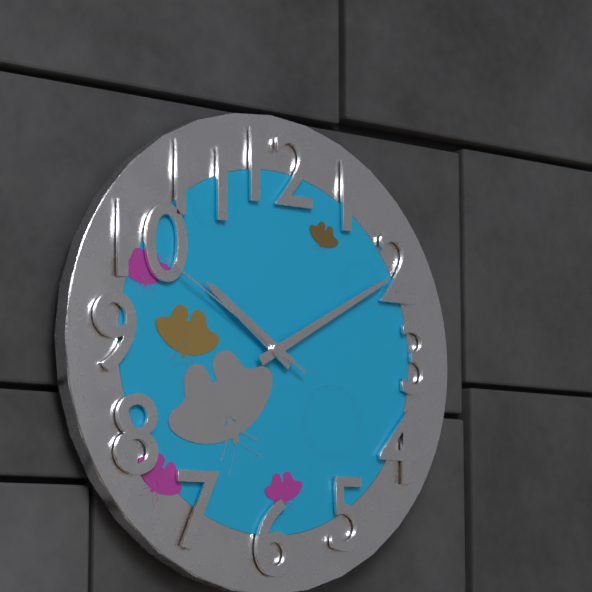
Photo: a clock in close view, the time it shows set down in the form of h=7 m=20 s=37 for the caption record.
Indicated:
h=10 m=10 s=50
